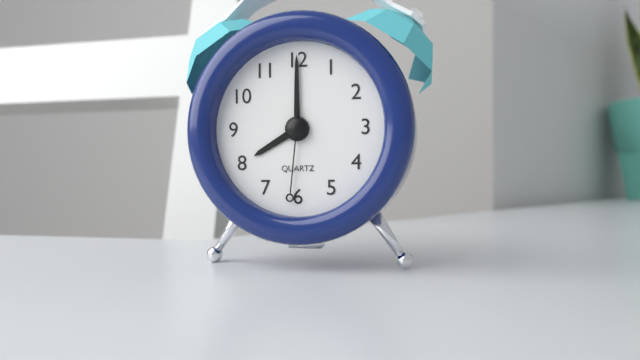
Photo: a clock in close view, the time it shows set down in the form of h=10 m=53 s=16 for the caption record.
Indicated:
h=8 m=0 s=31
